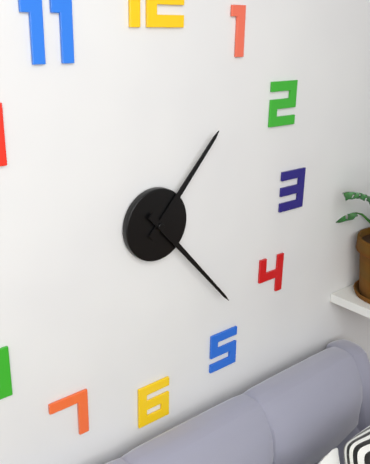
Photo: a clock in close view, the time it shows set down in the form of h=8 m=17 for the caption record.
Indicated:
h=1 m=23
